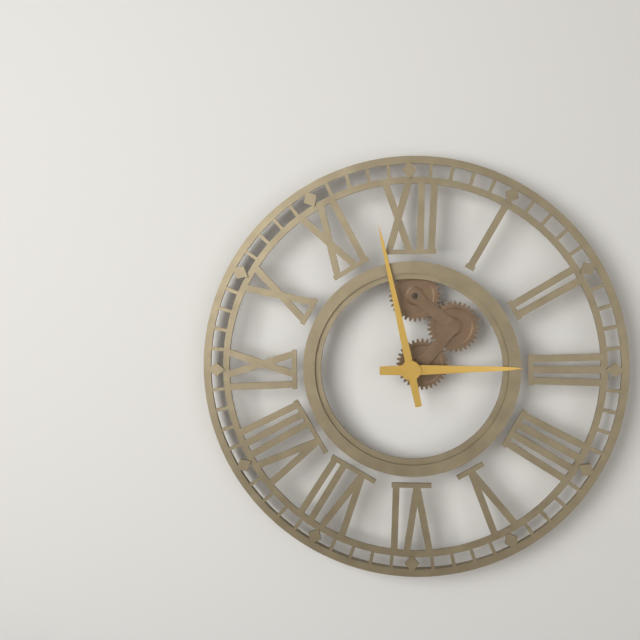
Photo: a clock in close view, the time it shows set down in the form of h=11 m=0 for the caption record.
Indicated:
h=2 m=58
